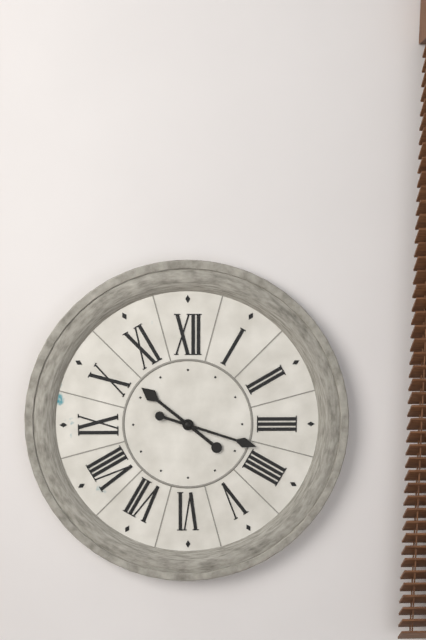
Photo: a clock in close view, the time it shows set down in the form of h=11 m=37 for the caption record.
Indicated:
h=10 m=18
